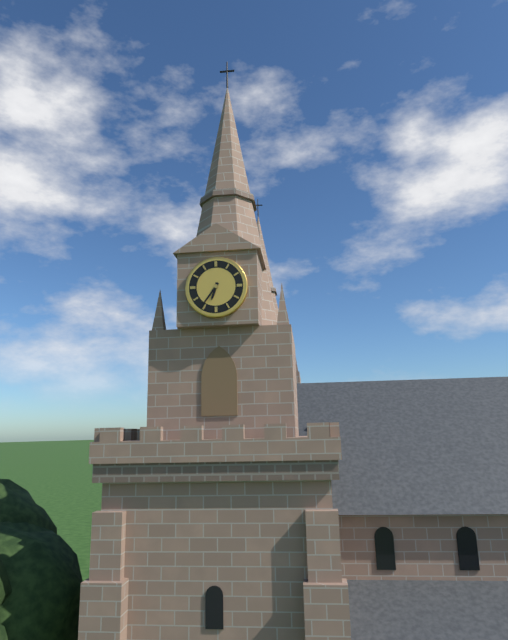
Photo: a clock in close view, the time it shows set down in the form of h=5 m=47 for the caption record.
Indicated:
h=6 m=36
